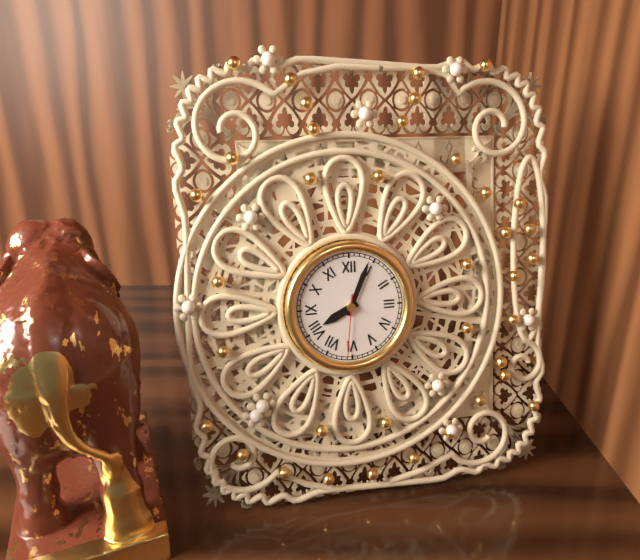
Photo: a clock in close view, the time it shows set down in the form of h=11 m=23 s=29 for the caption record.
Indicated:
h=8 m=4 s=31
